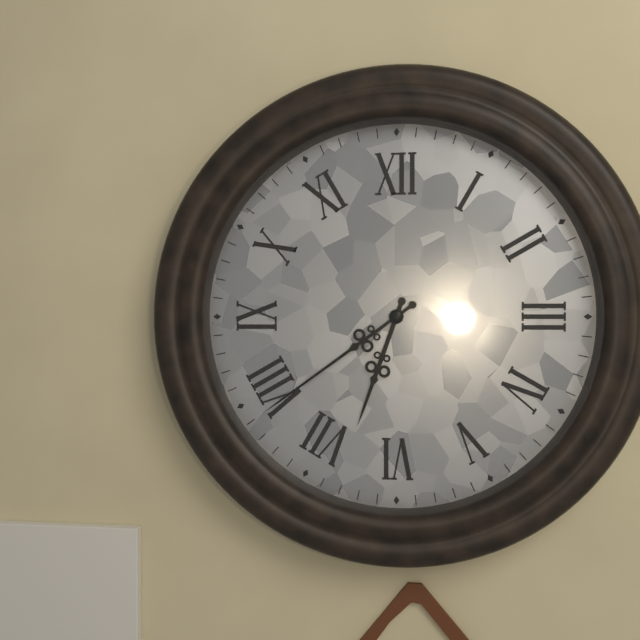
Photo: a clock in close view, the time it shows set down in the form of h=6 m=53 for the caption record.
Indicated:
h=6 m=39
